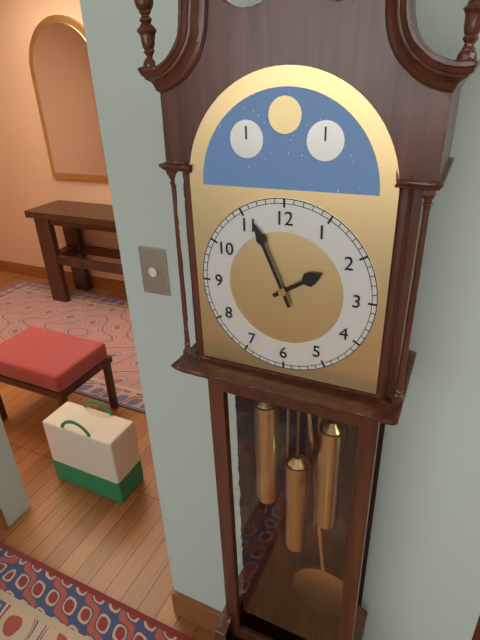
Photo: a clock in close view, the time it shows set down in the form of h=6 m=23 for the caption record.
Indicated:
h=1 m=56
